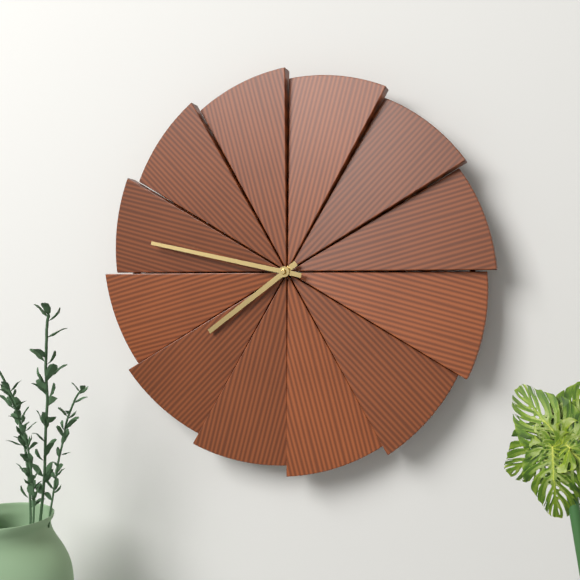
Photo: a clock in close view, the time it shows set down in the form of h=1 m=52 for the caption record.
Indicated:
h=7 m=47
